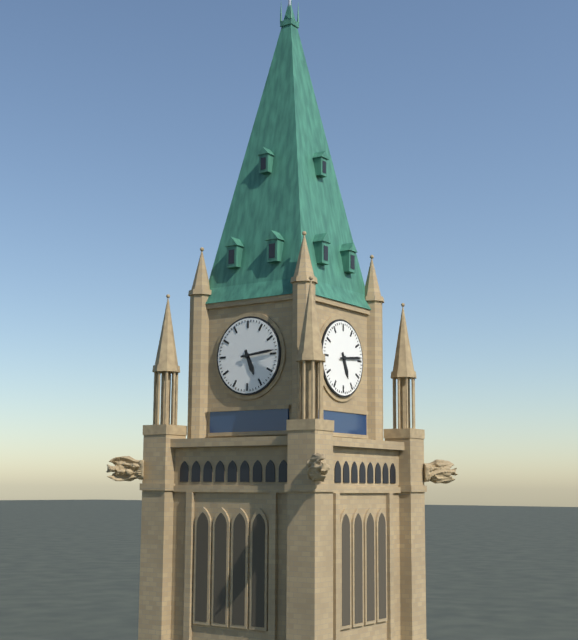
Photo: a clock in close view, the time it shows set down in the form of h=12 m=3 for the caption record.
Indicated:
h=5 m=14
